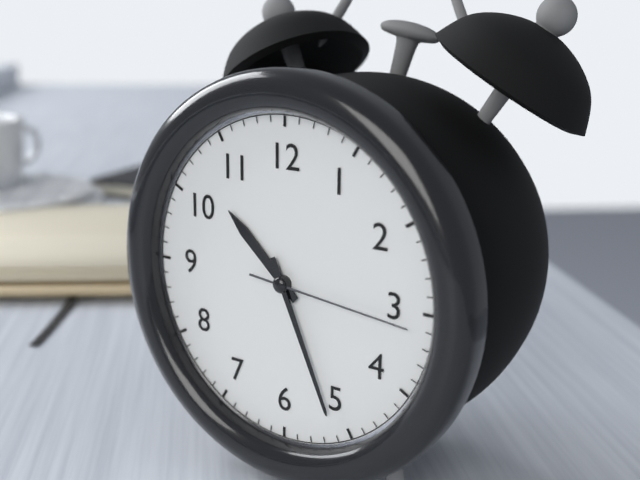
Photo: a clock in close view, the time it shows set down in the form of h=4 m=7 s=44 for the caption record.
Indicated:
h=10 m=26 s=16
